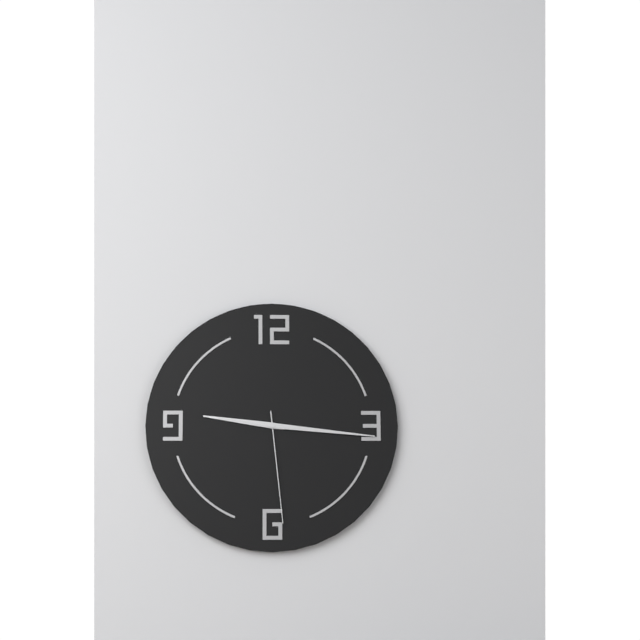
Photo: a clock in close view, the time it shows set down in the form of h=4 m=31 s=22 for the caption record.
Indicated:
h=9 m=16 s=29
